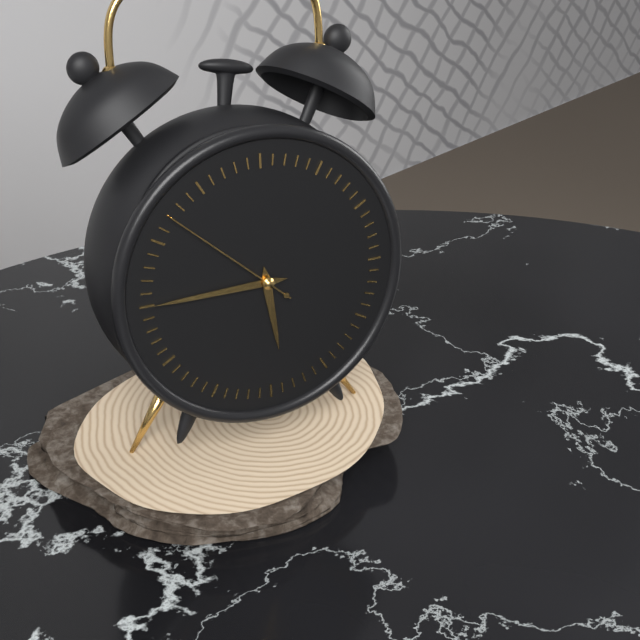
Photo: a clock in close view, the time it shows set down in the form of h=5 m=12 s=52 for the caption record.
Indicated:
h=5 m=45 s=52
